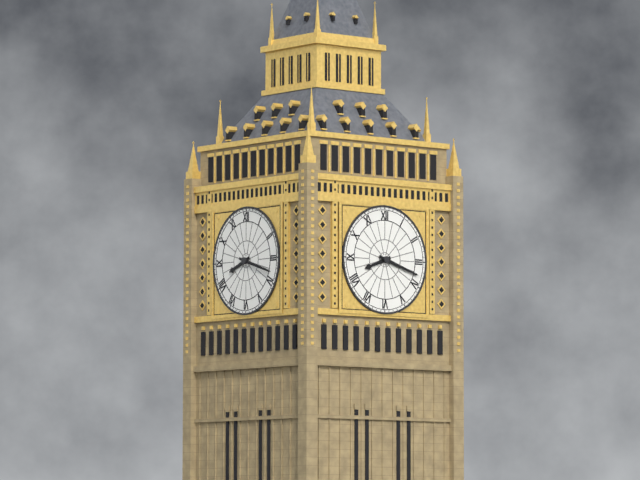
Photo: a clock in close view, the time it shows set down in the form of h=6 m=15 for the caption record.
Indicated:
h=8 m=18
